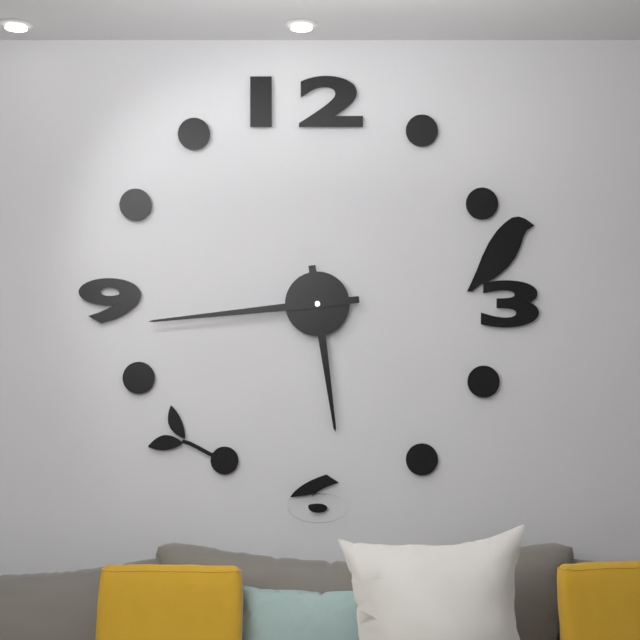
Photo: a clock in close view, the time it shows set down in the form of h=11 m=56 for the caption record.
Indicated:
h=5 m=44
